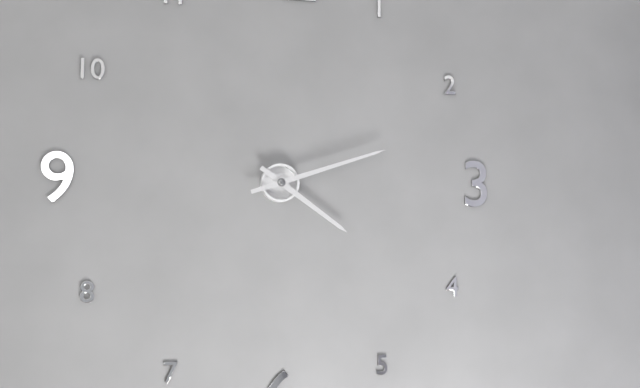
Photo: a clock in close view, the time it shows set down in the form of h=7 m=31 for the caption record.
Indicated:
h=4 m=12
